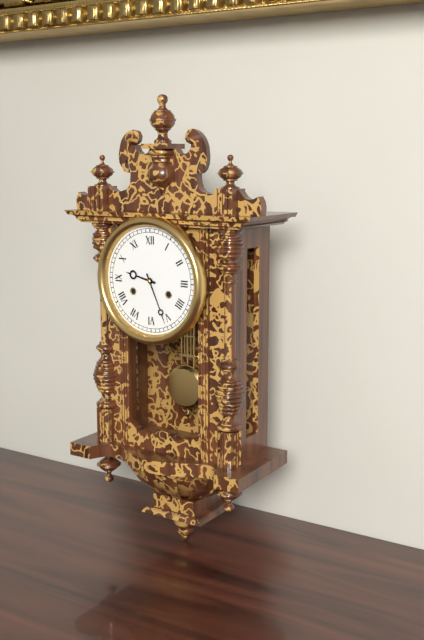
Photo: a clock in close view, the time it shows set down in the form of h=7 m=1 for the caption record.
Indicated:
h=9 m=26
